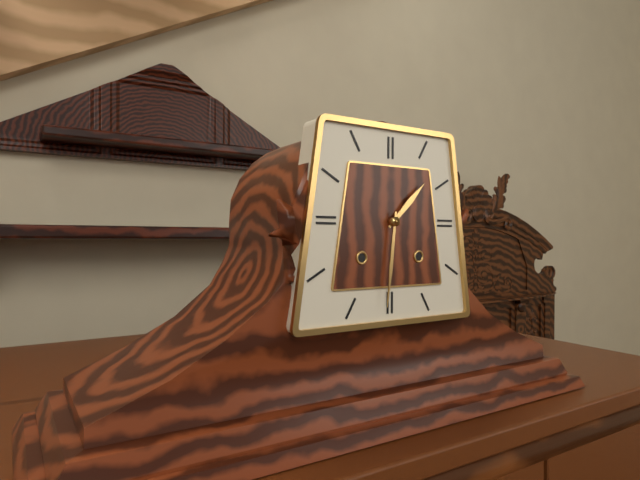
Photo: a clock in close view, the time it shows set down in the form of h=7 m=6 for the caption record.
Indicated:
h=1 m=31
